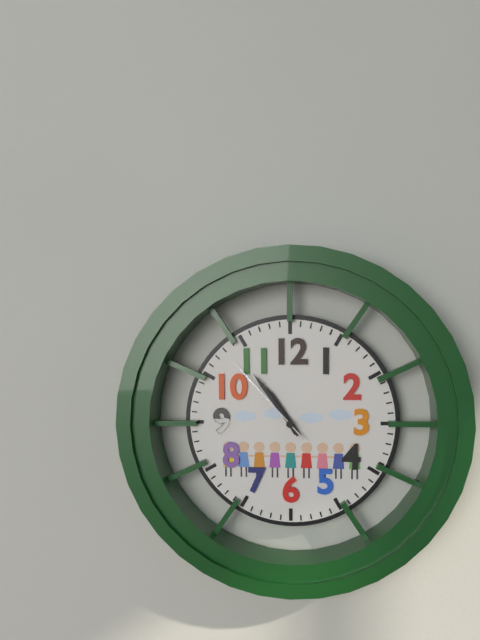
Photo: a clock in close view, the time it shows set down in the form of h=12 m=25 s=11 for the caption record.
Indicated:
h=10 m=54 s=53
